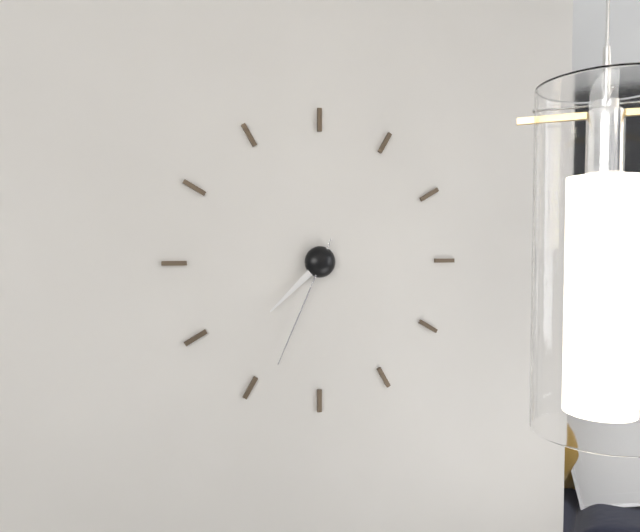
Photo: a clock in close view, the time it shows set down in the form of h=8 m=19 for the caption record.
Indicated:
h=7 m=34
